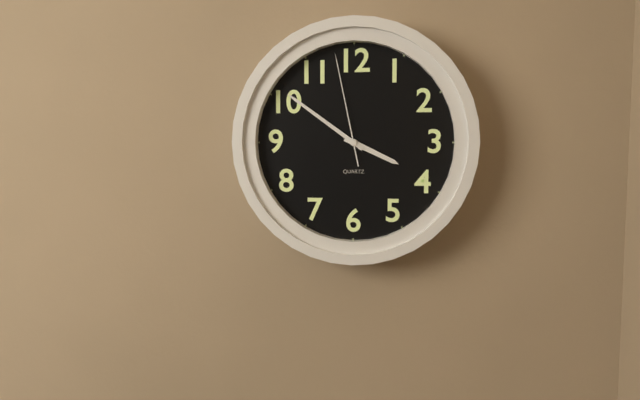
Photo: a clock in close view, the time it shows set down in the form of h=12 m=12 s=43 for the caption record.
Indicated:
h=3 m=51 s=58
